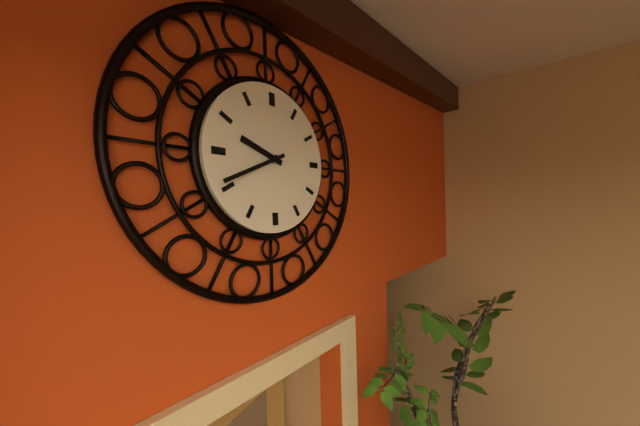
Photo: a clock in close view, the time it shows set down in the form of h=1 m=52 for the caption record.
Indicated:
h=9 m=41
